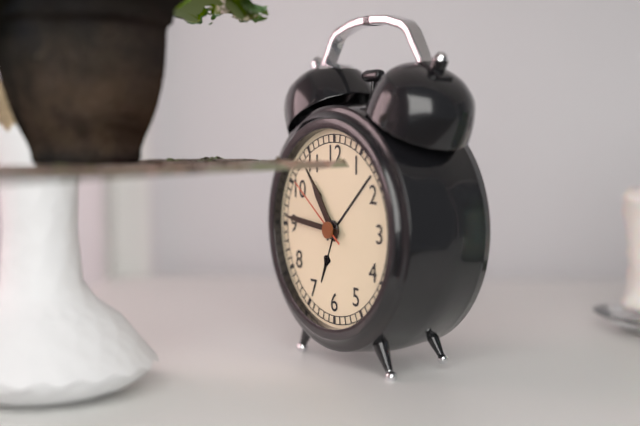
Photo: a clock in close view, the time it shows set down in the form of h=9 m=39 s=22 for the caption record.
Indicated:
h=10 m=46 s=51
